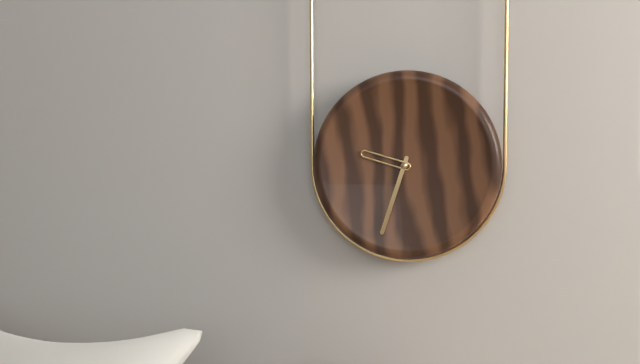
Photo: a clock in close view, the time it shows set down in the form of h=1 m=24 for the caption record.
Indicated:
h=9 m=33
